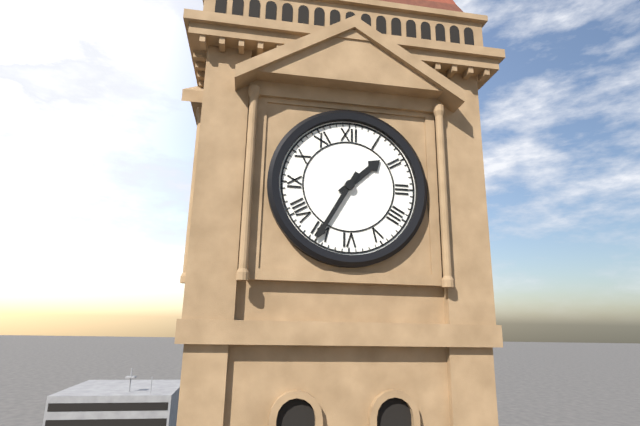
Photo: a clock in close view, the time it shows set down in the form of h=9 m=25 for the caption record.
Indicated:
h=1 m=35
